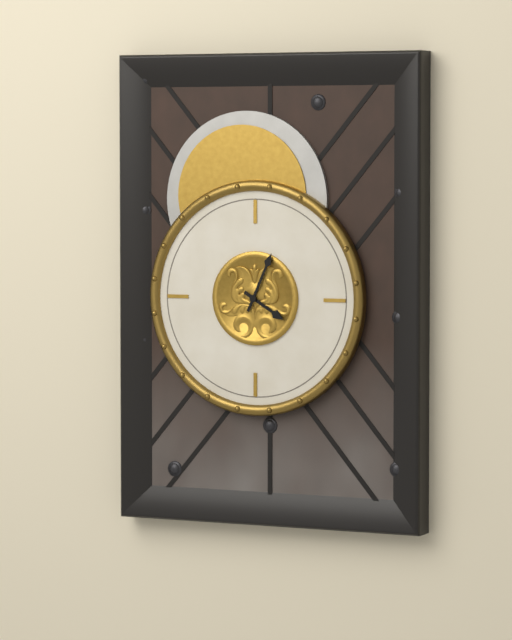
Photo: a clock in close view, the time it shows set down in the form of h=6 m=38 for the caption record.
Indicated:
h=4 m=4
